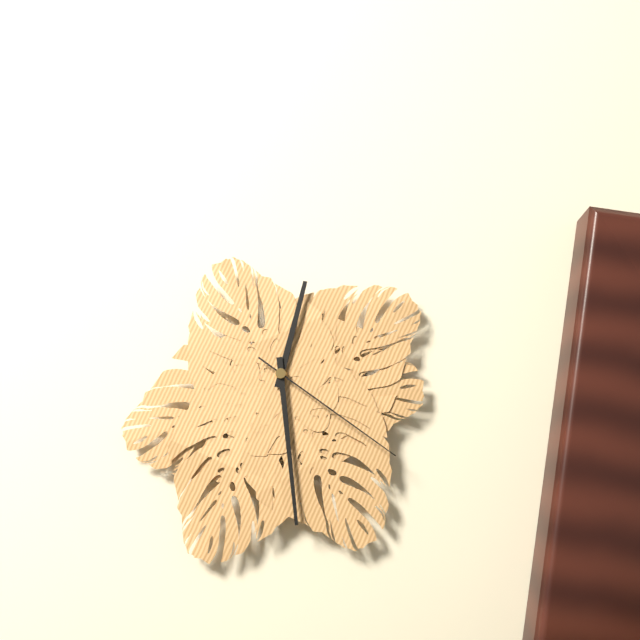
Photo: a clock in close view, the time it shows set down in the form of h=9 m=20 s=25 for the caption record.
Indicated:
h=12 m=29 s=21
